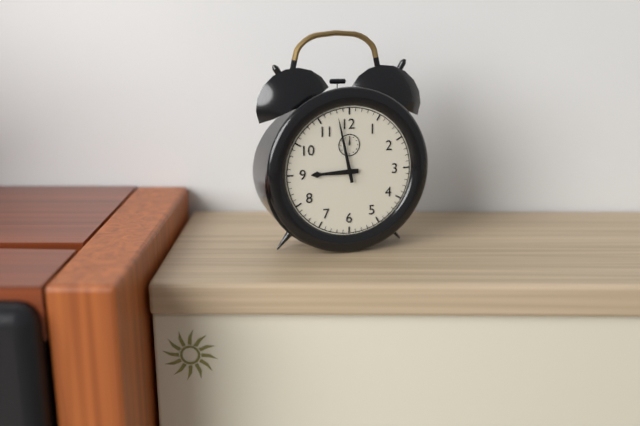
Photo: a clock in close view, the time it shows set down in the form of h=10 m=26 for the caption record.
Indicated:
h=8 m=58
